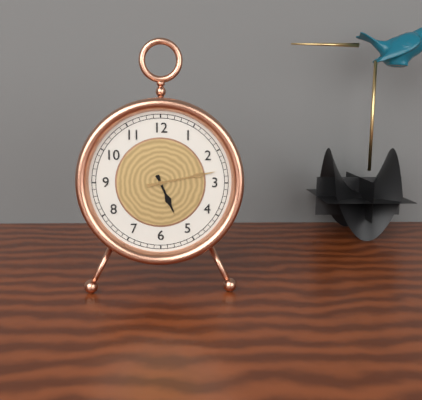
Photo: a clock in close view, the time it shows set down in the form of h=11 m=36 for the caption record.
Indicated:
h=5 m=13
